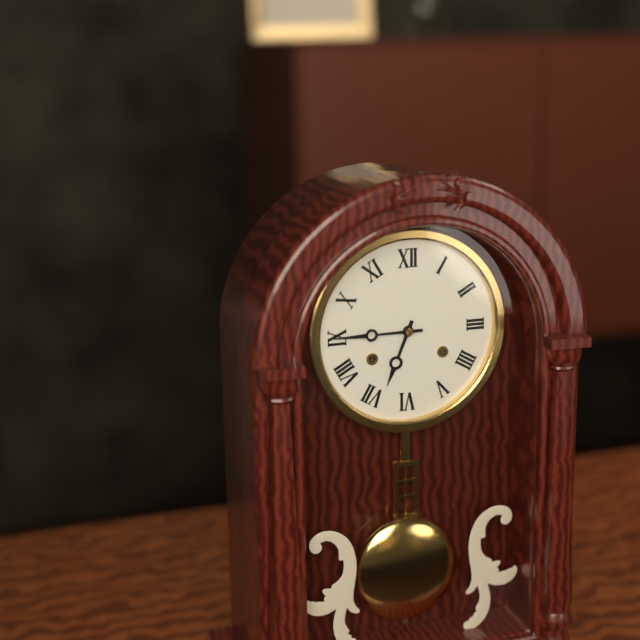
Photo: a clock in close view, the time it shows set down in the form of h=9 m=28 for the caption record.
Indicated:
h=6 m=45
